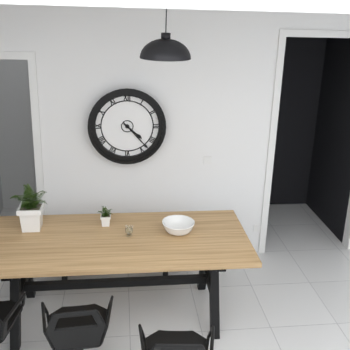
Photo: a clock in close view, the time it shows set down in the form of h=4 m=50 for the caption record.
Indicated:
h=4 m=23
